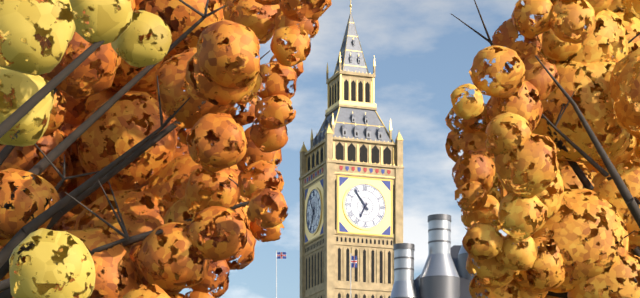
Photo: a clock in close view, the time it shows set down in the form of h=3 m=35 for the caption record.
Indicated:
h=6 m=54
